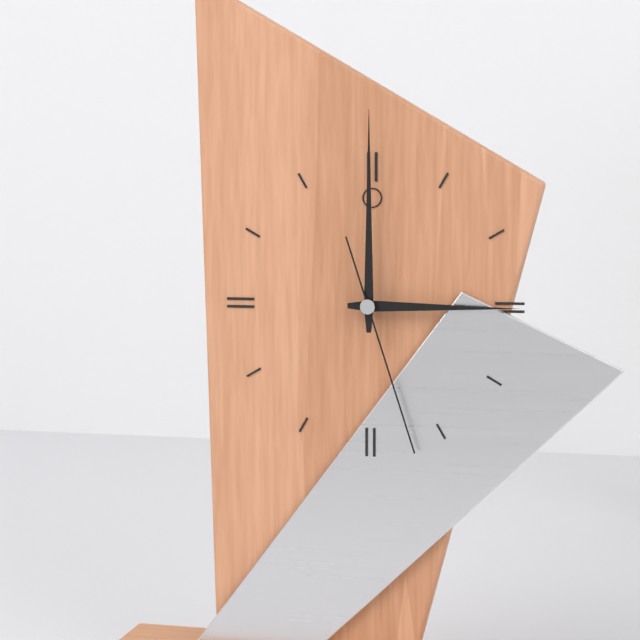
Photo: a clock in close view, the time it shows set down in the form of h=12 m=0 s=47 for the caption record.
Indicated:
h=3 m=0 s=27
